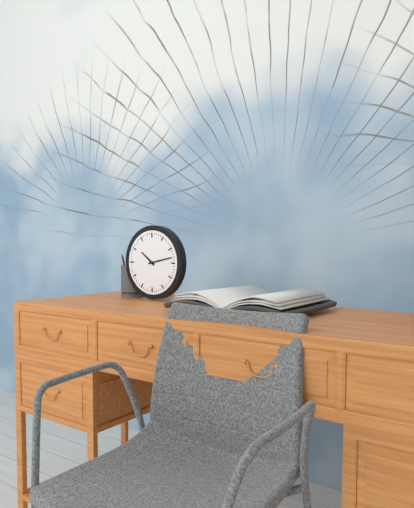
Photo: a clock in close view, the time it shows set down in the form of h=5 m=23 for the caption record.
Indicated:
h=10 m=13
